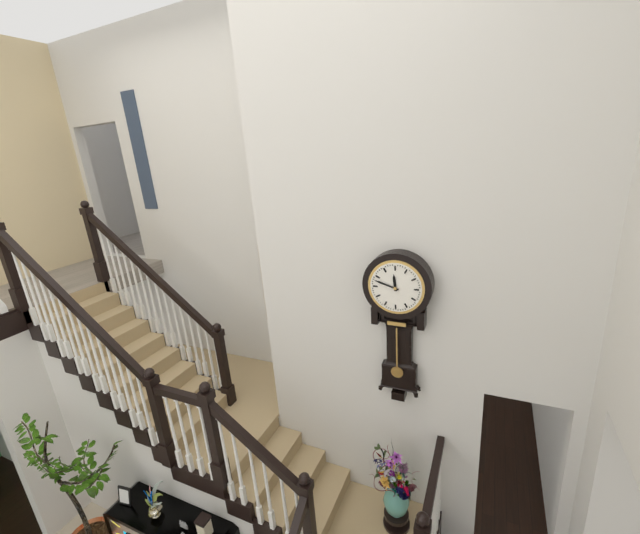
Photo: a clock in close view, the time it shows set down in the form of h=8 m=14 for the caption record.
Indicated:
h=11 m=48
